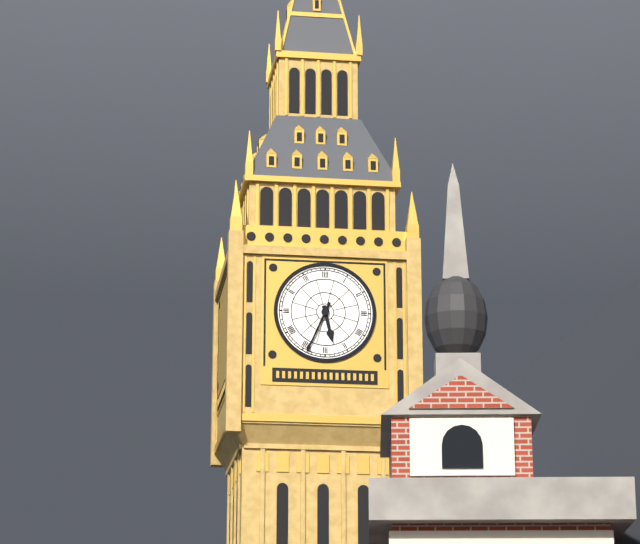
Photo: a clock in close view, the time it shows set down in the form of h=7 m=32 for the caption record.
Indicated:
h=5 m=34
